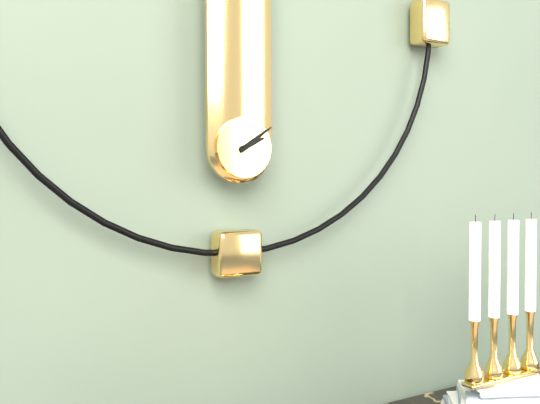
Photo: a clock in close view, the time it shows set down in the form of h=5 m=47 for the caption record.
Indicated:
h=2 m=9
